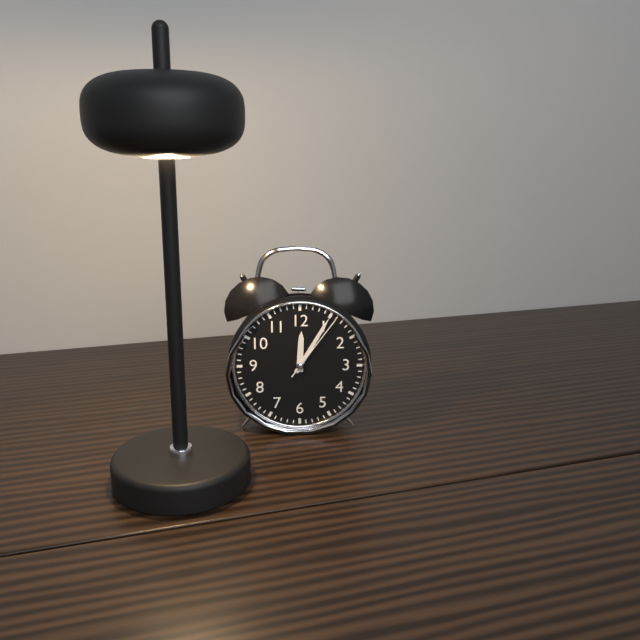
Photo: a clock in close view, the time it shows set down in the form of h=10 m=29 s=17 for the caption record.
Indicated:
h=12 m=5 s=6
